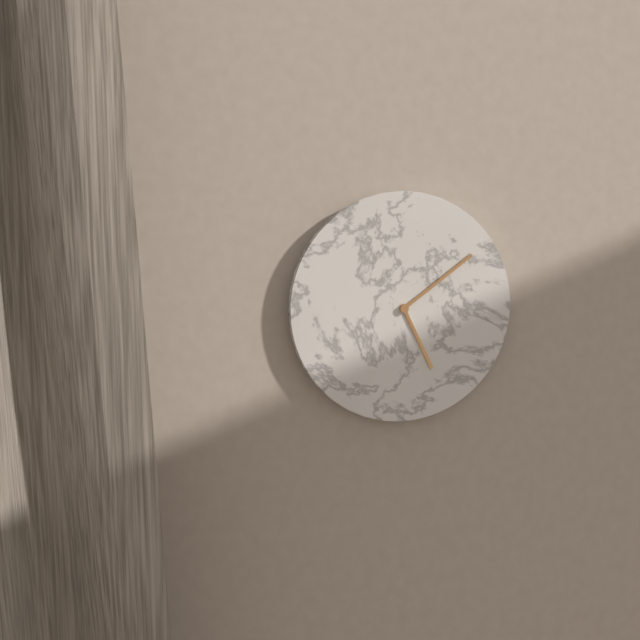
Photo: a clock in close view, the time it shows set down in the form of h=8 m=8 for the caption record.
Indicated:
h=5 m=9
